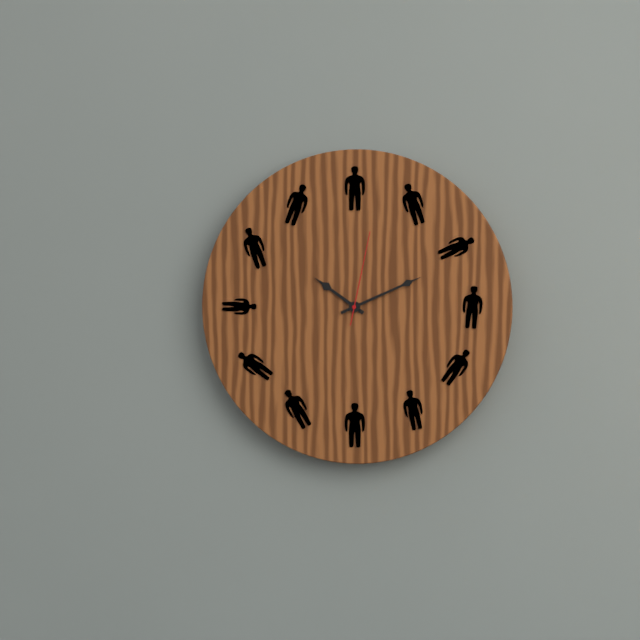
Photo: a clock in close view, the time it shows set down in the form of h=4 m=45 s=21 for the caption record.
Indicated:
h=10 m=11 s=2
